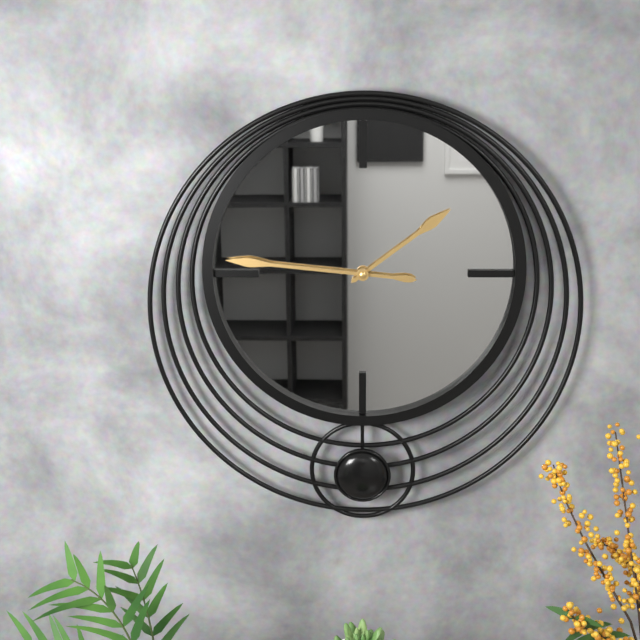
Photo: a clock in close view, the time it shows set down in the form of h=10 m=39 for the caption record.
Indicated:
h=1 m=46
